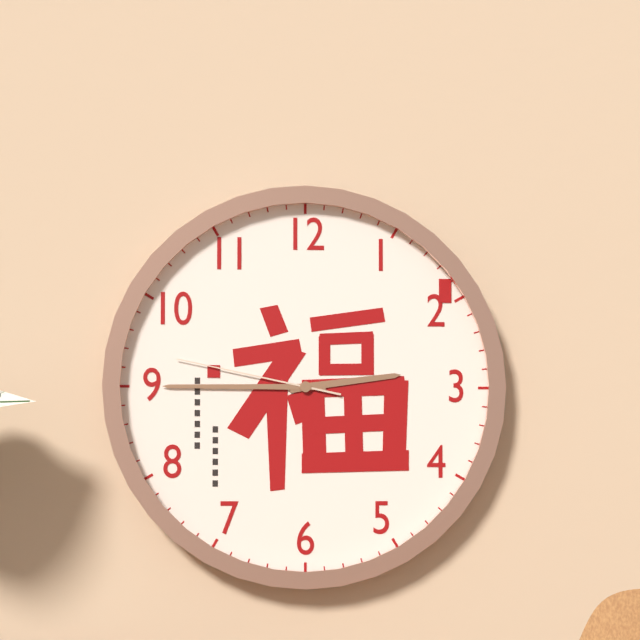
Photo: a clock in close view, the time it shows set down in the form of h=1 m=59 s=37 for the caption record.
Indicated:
h=2 m=45 s=47
